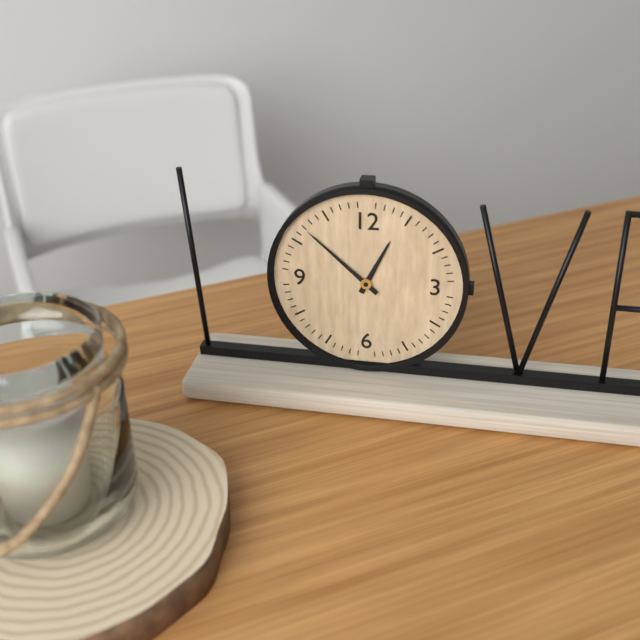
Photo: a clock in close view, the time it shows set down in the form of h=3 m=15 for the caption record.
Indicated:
h=12 m=52
